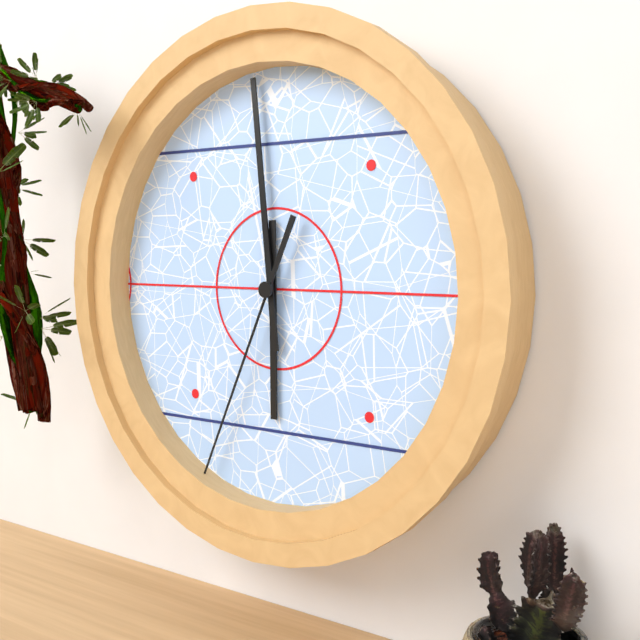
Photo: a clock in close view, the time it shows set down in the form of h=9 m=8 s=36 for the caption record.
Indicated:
h=5 m=59 s=34
